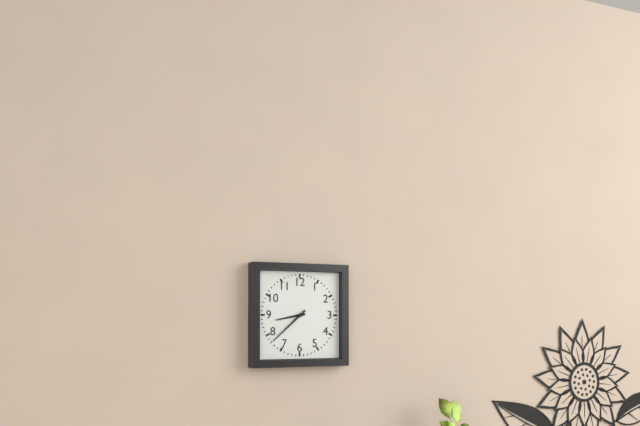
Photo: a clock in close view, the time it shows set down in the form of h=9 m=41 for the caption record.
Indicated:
h=8 m=38
